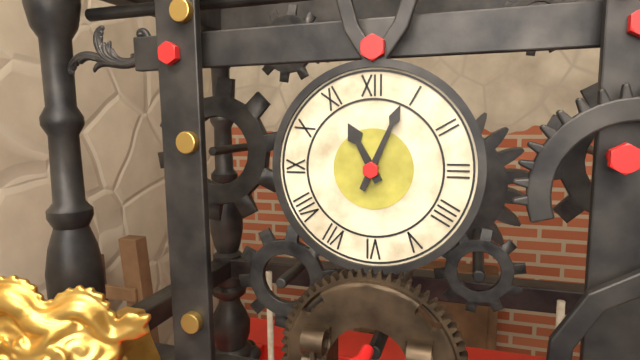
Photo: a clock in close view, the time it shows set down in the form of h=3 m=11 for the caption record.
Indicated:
h=11 m=4
